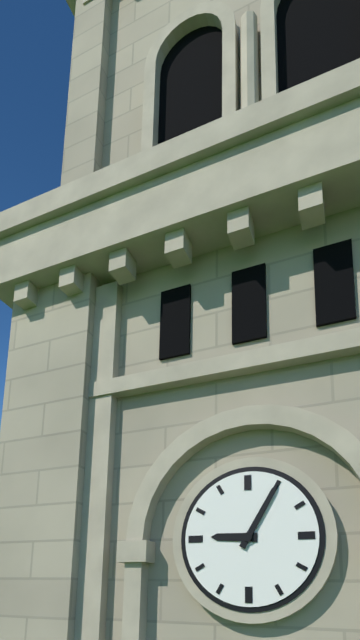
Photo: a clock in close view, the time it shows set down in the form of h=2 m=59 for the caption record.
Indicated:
h=9 m=5
